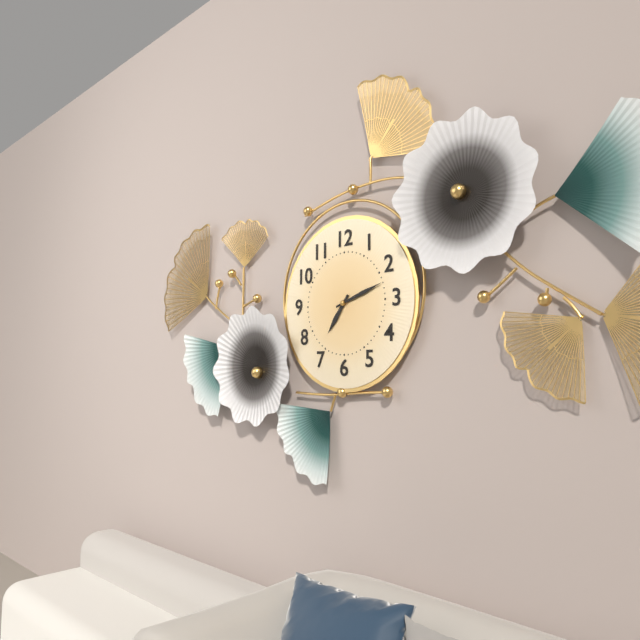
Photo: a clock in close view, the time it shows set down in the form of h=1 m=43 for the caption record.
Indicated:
h=7 m=12
